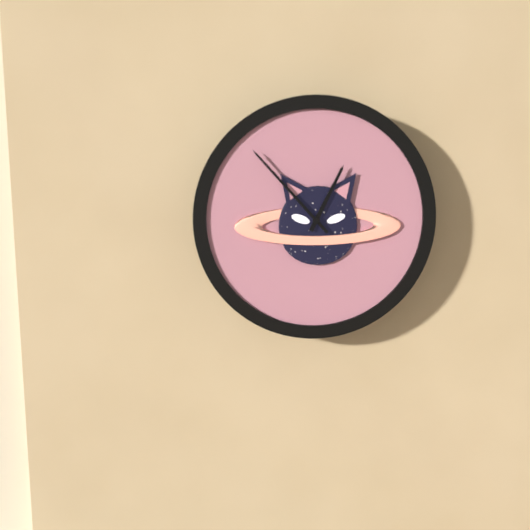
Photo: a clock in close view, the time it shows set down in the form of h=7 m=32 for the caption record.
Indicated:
h=12 m=53
